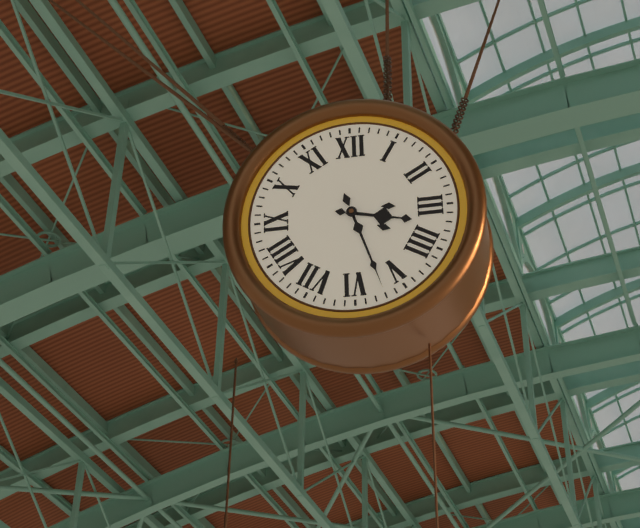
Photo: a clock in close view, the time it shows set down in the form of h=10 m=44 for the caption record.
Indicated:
h=3 m=27
